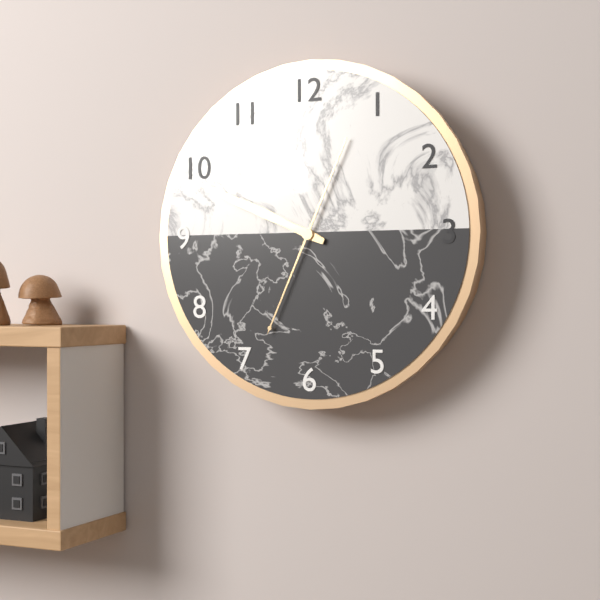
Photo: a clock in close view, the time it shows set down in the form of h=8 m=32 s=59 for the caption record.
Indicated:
h=9 m=49 s=34
